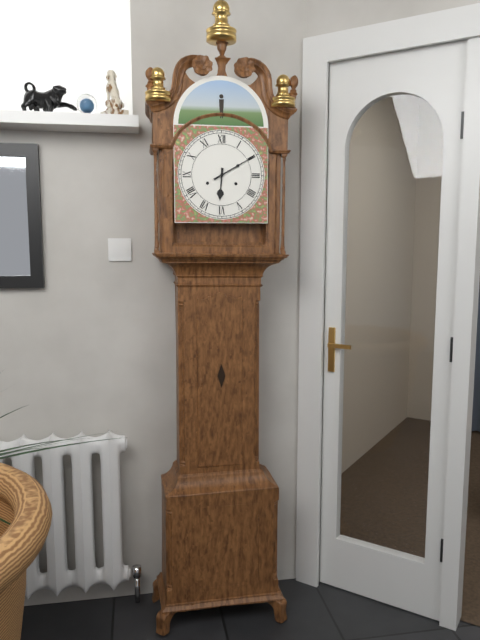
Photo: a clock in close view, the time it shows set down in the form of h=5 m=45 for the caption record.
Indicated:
h=6 m=10
